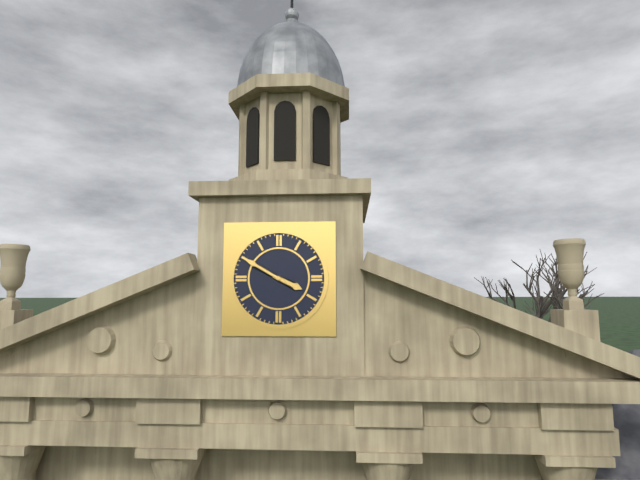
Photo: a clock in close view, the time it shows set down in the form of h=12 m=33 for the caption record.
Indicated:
h=3 m=50
